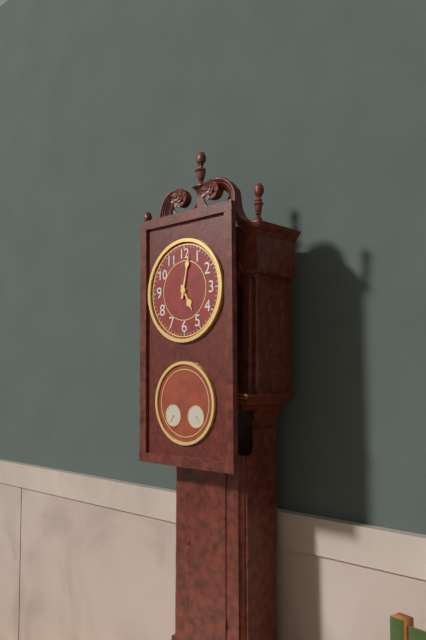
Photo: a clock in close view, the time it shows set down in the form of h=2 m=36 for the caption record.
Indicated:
h=5 m=2
